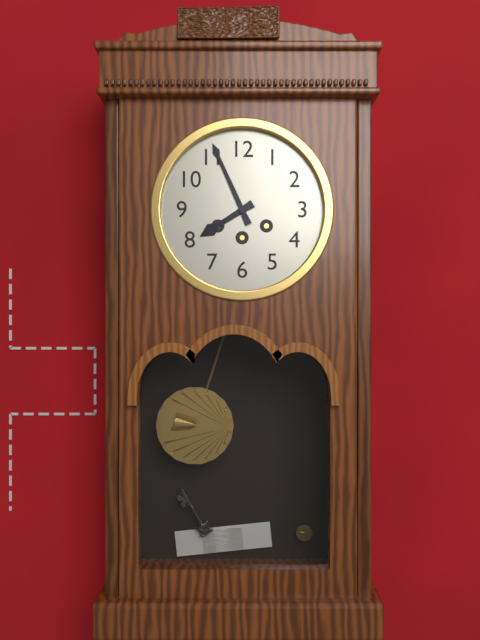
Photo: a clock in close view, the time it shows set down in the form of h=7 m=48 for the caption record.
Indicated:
h=7 m=56
